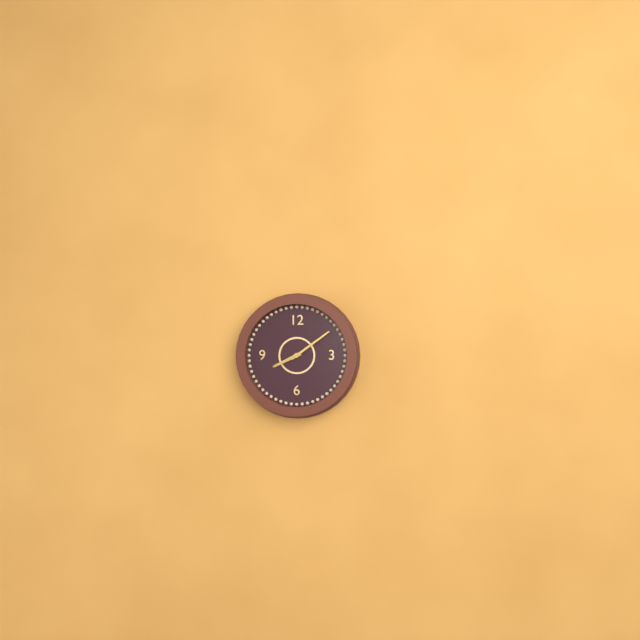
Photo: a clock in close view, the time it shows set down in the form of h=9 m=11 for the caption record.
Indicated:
h=8 m=9
